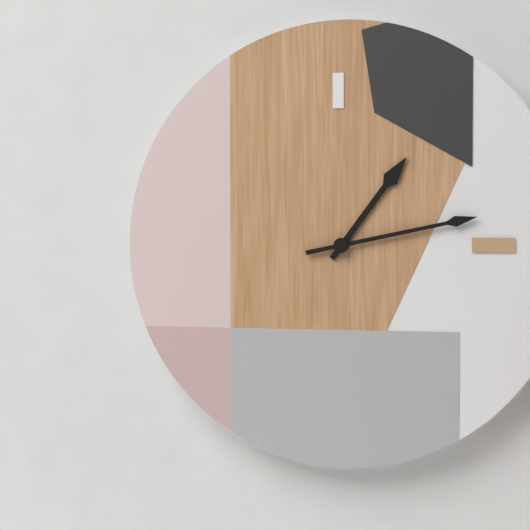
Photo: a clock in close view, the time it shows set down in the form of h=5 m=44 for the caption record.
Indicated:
h=1 m=13
